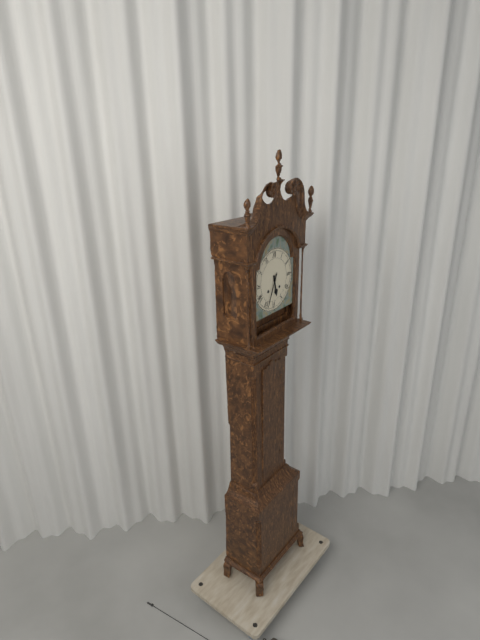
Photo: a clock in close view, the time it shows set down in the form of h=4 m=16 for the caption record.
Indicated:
h=5 m=34
